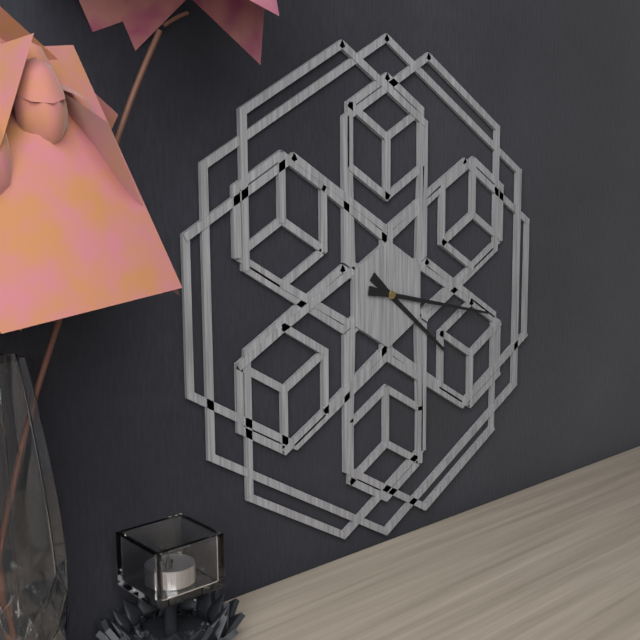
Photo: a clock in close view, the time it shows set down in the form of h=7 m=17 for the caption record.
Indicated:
h=4 m=17
